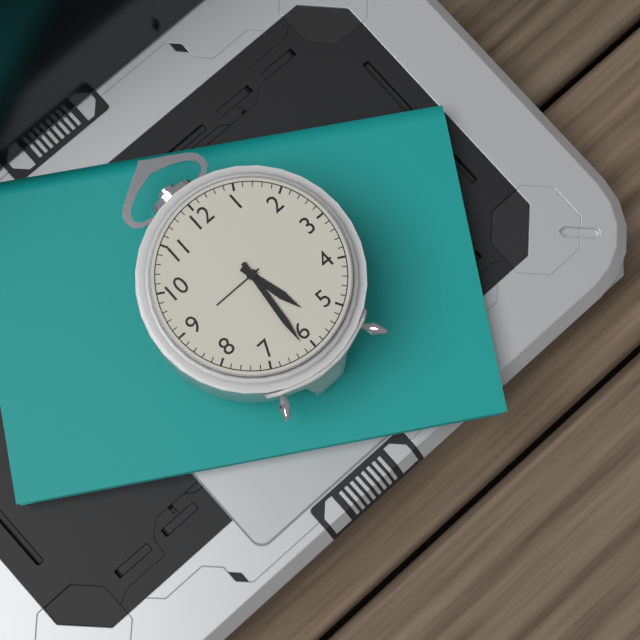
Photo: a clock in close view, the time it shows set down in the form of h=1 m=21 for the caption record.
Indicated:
h=5 m=31
